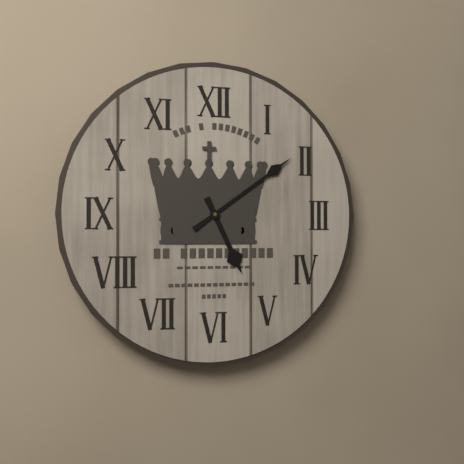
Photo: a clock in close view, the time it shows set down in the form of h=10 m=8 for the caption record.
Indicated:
h=5 m=9
